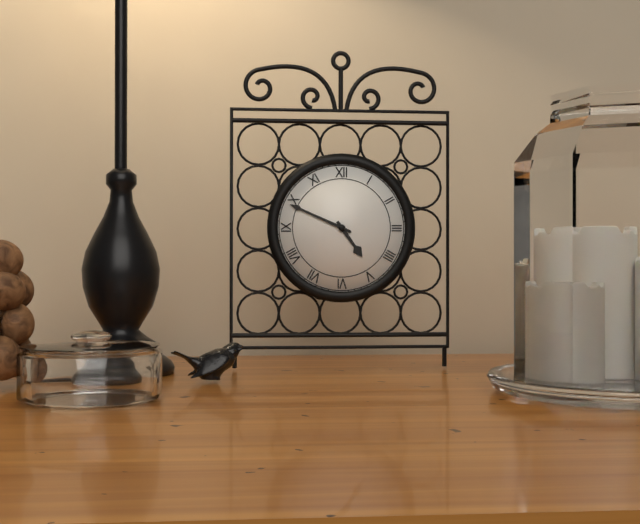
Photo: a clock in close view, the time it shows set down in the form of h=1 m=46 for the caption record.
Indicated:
h=4 m=49
